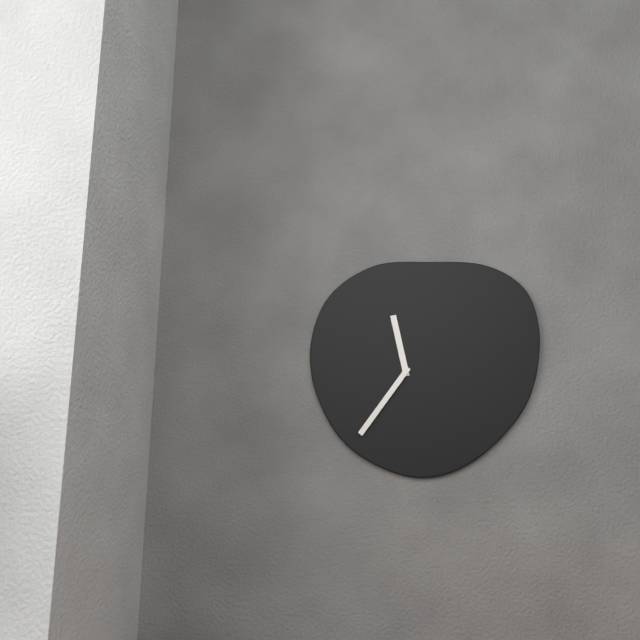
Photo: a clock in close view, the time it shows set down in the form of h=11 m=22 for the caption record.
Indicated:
h=11 m=36
